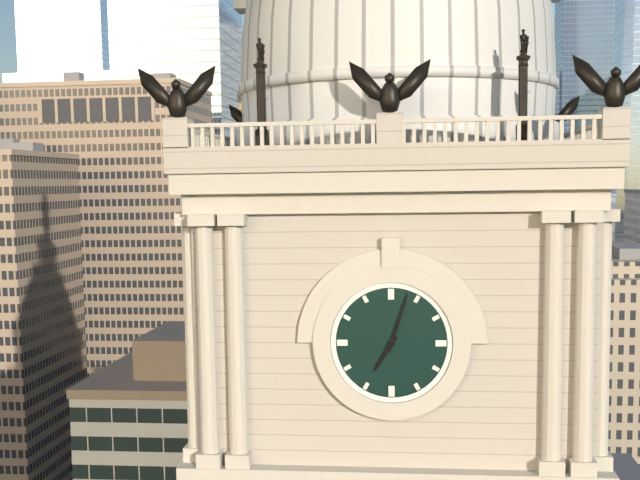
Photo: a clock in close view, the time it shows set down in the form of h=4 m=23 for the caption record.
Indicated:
h=7 m=3
